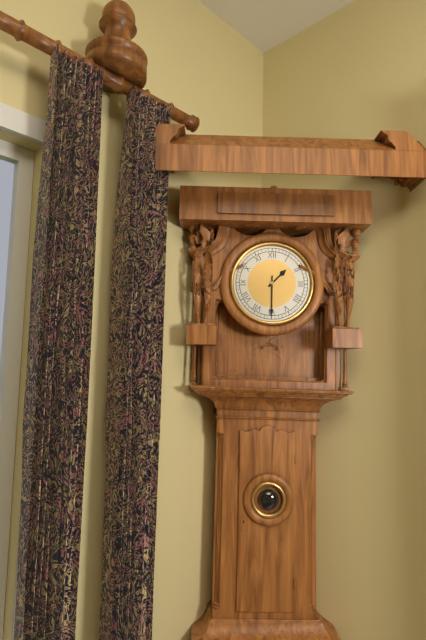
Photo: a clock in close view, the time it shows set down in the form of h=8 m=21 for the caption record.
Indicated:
h=1 m=30
